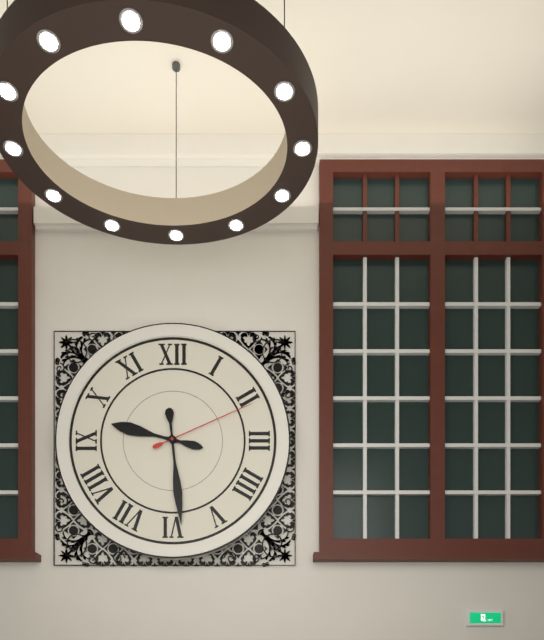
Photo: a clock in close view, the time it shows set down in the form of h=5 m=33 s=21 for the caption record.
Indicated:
h=9 m=29 s=11
